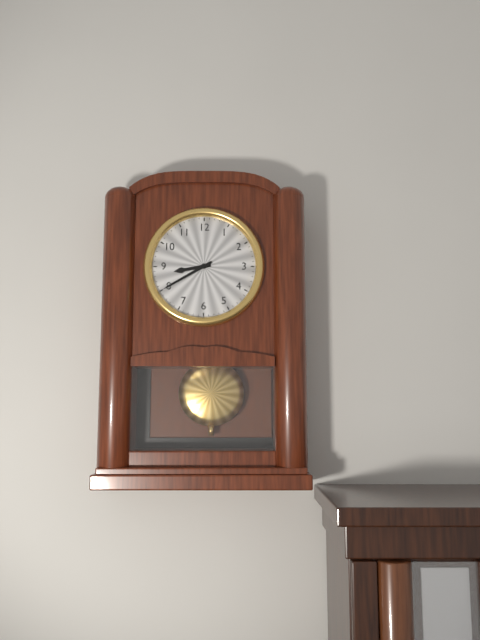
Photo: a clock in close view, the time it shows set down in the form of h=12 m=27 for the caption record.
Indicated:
h=8 m=40
